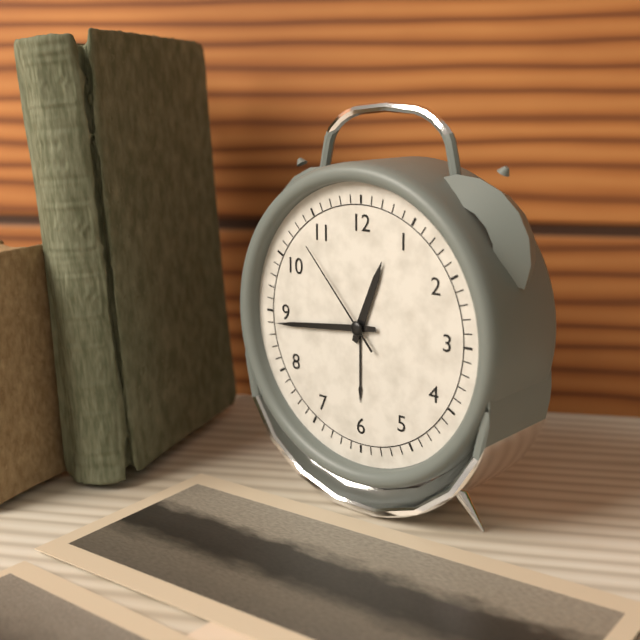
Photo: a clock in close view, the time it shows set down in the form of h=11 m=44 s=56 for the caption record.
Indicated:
h=12 m=44 s=53
